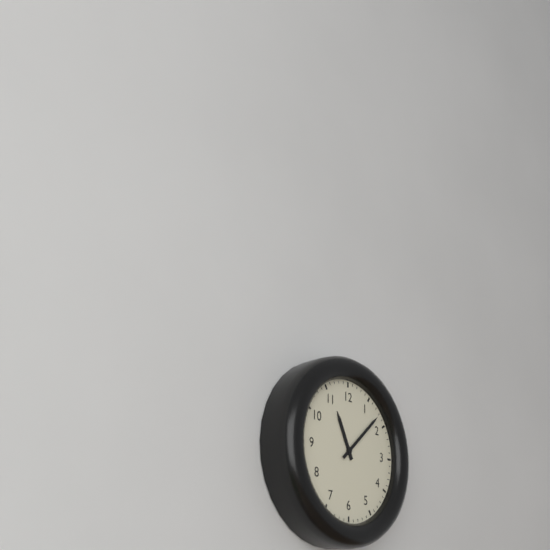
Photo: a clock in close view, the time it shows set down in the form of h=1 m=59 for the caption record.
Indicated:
h=11 m=8
